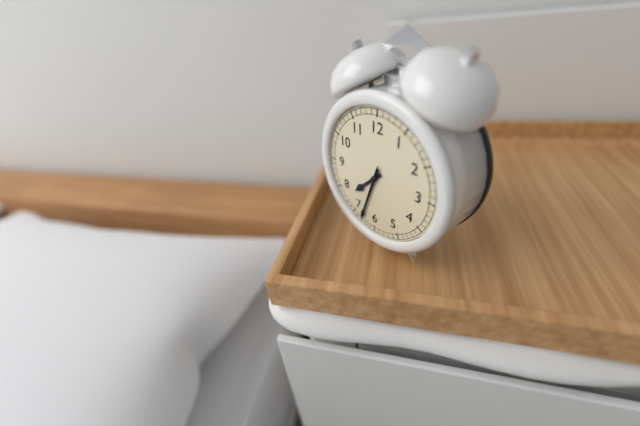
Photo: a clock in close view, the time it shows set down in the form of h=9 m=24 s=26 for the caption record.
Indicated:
h=7 m=33 s=33
